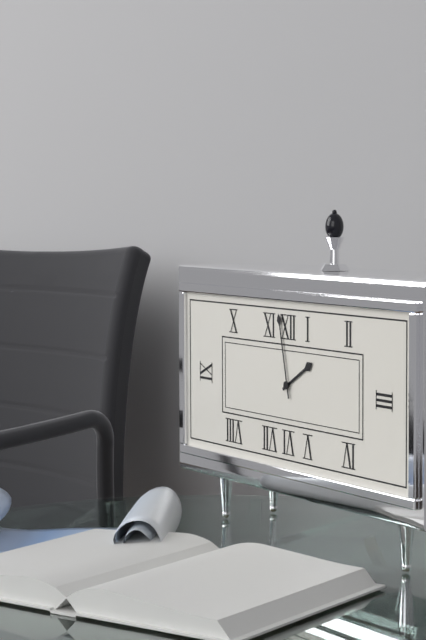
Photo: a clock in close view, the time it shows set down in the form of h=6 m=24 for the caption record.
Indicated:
h=1 m=58
